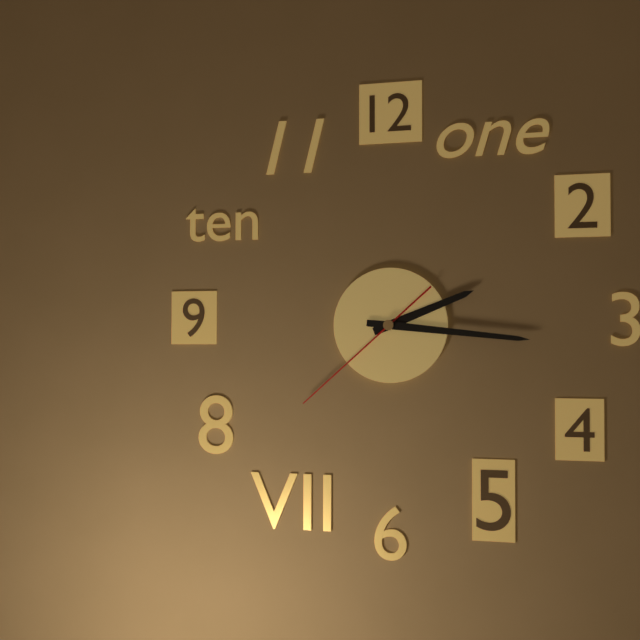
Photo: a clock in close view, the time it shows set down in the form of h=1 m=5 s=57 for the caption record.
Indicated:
h=2 m=16 s=38
